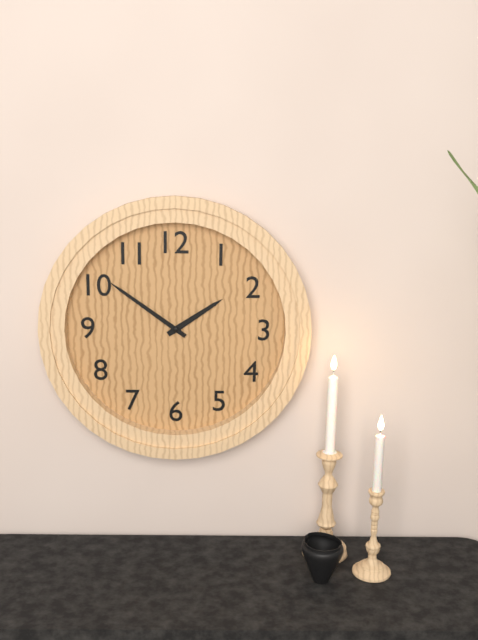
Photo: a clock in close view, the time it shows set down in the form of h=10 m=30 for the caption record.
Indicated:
h=1 m=51
